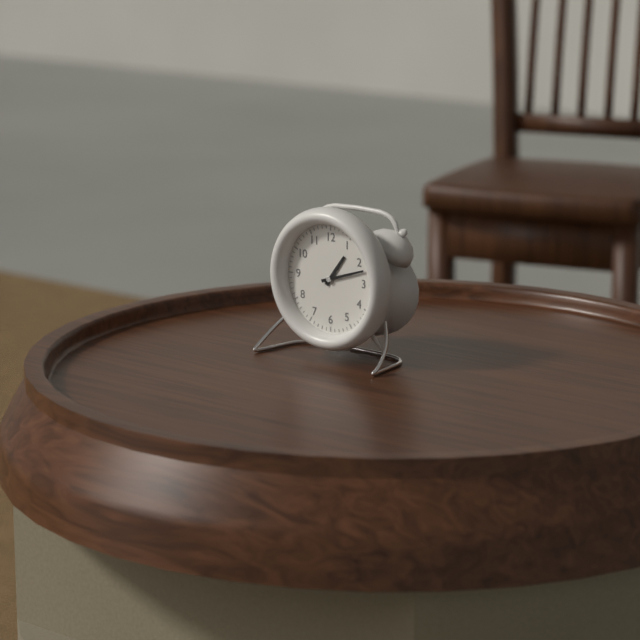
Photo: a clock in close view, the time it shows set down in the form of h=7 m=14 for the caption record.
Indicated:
h=1 m=12
